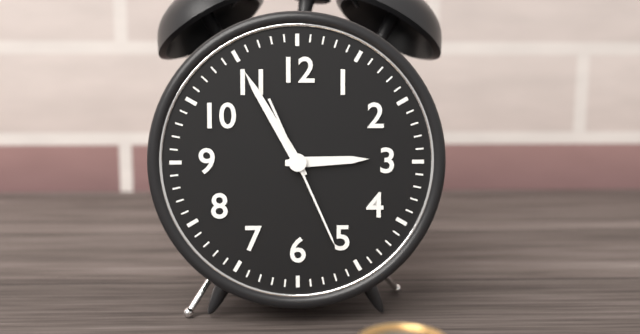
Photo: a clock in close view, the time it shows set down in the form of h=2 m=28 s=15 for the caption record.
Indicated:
h=2 m=55 s=26
